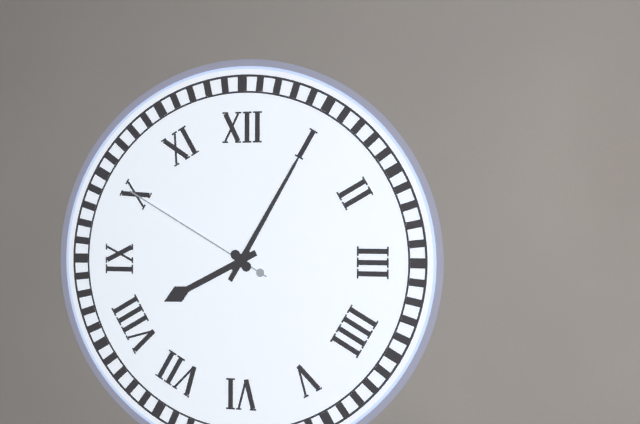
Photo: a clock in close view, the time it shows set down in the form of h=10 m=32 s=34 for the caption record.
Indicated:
h=8 m=5 s=50
